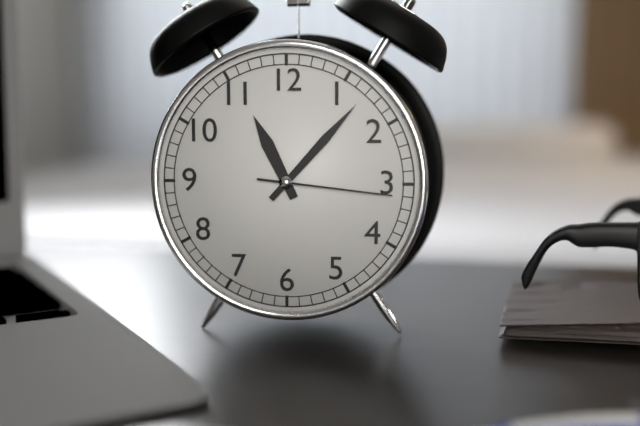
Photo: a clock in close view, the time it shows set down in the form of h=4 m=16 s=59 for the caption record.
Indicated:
h=11 m=7 s=16
